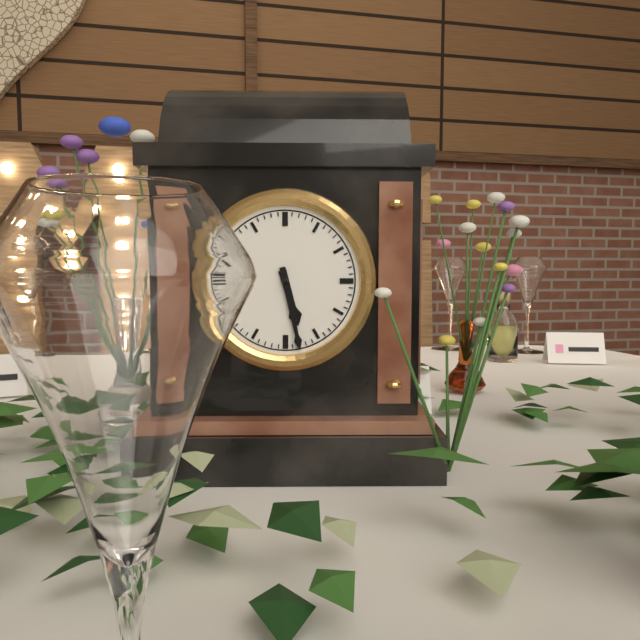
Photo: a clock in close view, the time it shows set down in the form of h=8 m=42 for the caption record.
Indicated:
h=5 m=28
